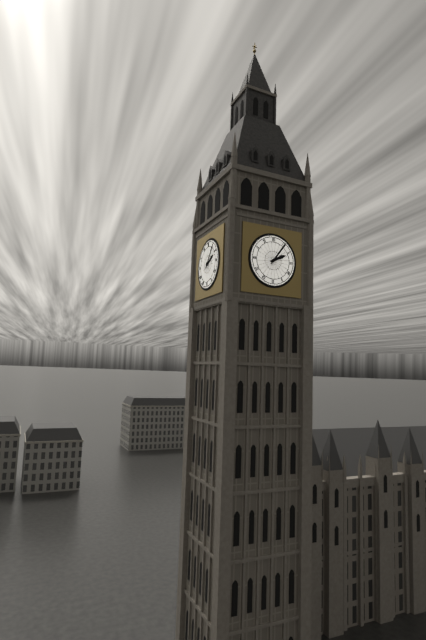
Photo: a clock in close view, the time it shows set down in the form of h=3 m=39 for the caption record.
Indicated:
h=2 m=6
